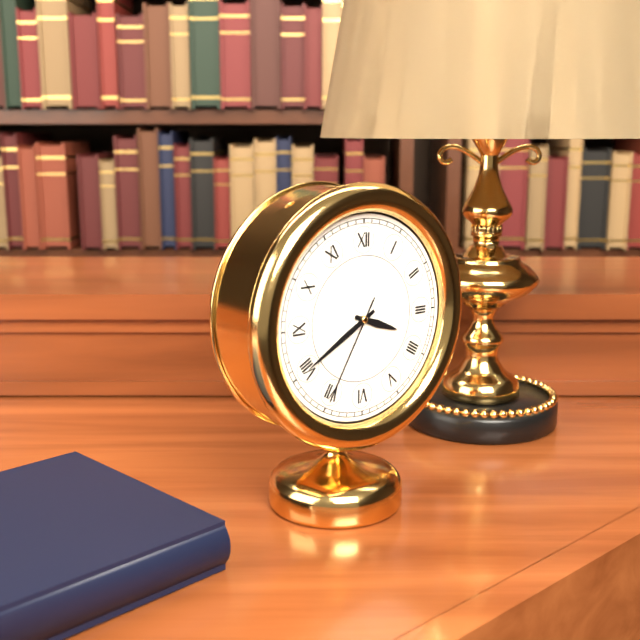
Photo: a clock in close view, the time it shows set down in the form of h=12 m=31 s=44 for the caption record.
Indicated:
h=3 m=40 s=35
